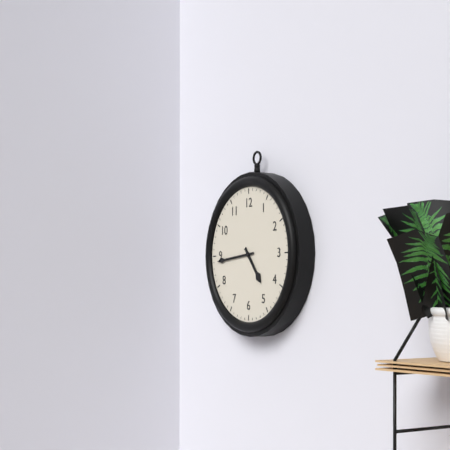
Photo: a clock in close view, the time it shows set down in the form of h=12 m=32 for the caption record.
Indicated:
h=4 m=44
